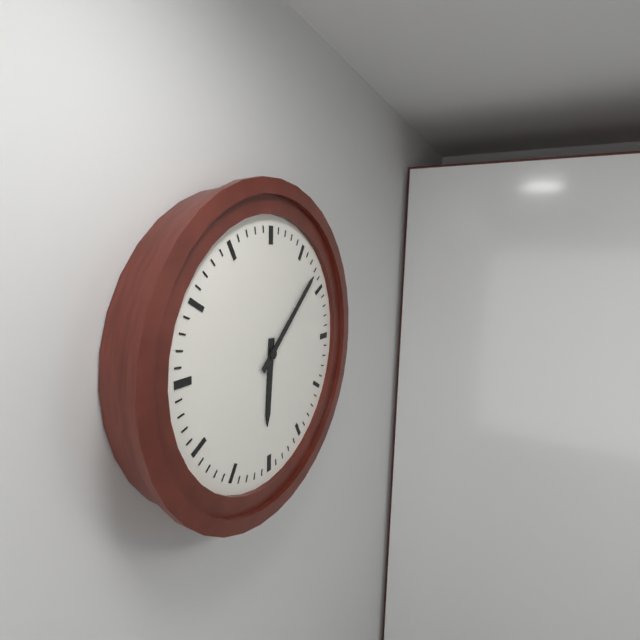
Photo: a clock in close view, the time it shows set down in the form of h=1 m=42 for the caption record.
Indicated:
h=6 m=8
